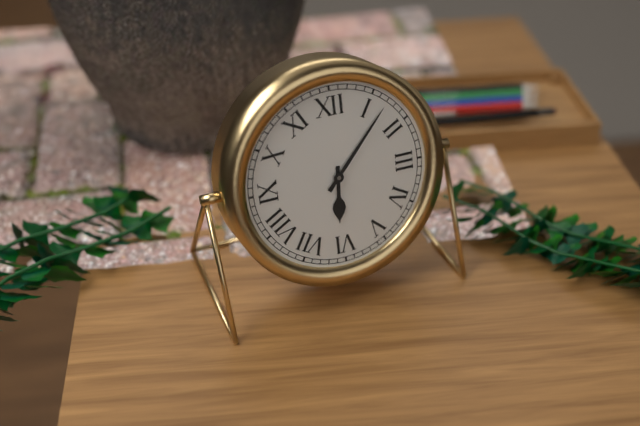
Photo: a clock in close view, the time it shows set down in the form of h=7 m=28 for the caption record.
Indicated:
h=6 m=7
